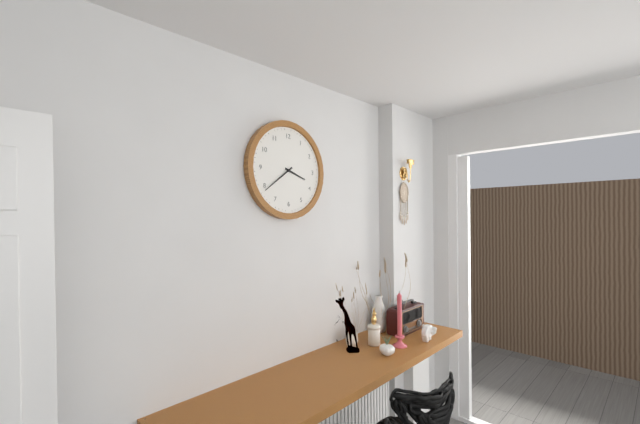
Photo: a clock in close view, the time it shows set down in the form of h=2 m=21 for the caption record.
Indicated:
h=3 m=39
